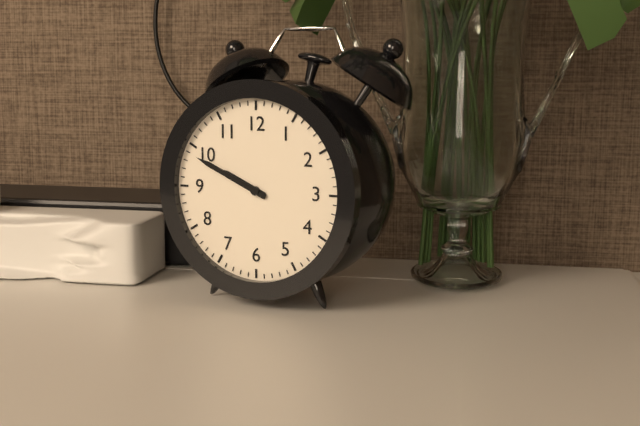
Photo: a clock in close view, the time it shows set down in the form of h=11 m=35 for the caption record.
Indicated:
h=9 m=49
